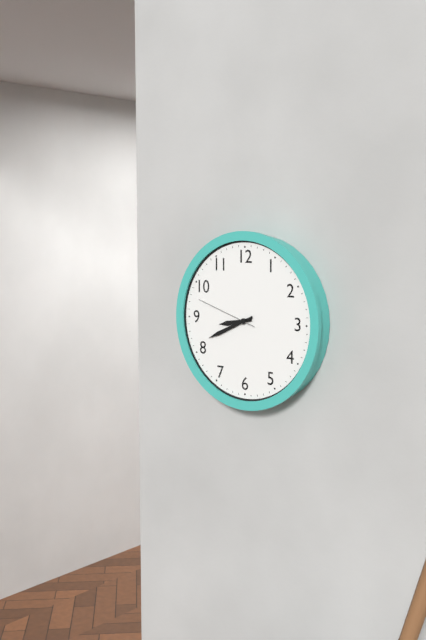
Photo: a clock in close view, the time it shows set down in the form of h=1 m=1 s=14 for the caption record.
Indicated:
h=8 m=41 s=48
